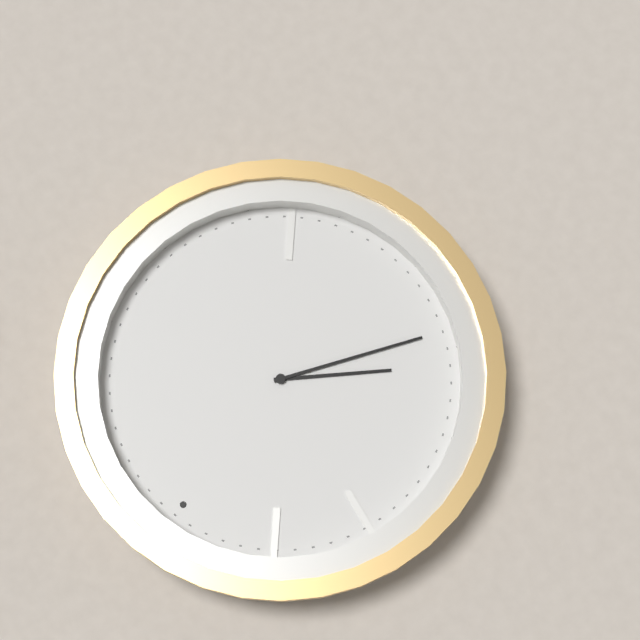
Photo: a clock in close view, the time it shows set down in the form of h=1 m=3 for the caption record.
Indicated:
h=7 m=36
